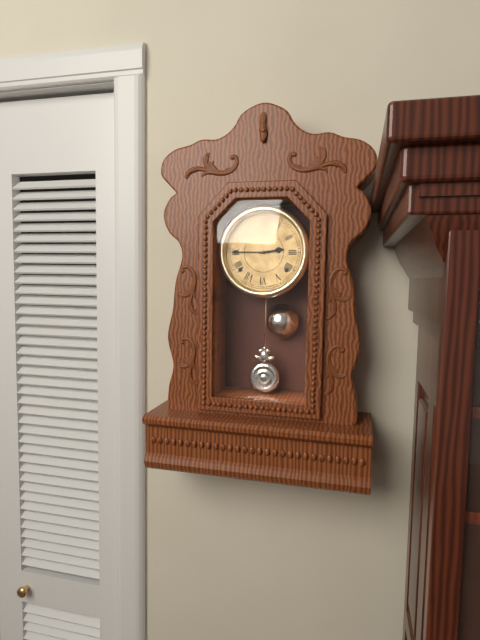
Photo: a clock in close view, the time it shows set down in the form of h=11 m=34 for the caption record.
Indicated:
h=2 m=45
